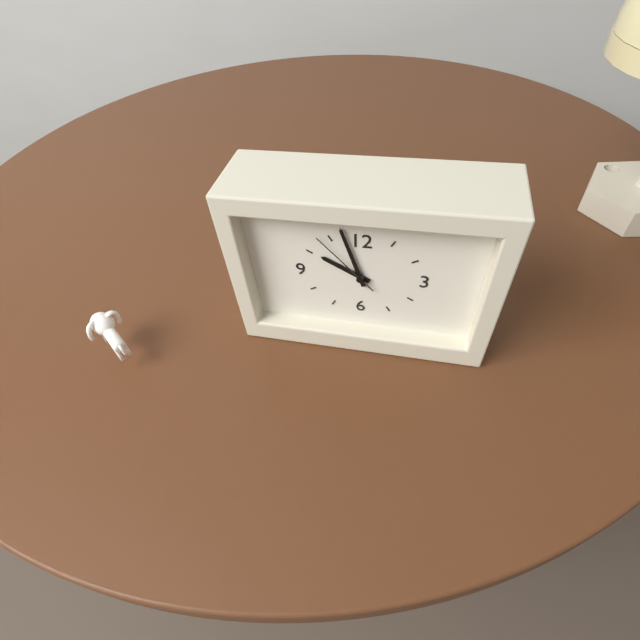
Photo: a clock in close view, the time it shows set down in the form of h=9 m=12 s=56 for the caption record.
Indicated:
h=9 m=57 s=53
